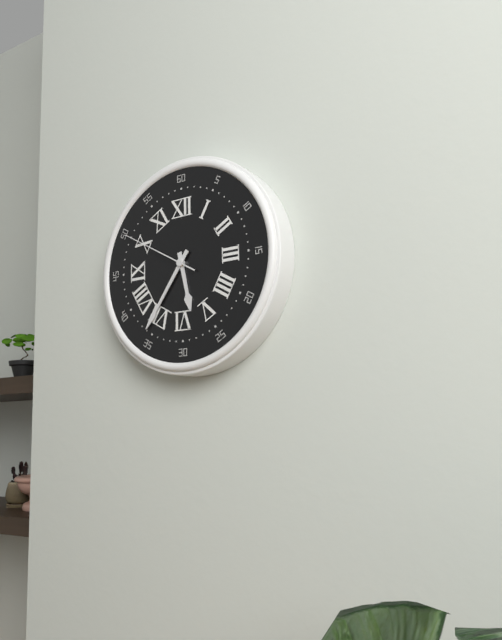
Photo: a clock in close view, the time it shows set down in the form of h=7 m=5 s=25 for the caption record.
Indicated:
h=5 m=36 s=50
